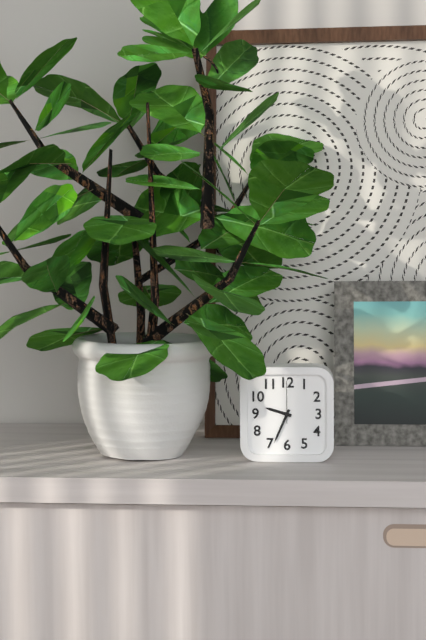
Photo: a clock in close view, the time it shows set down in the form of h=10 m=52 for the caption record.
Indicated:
h=9 m=34
